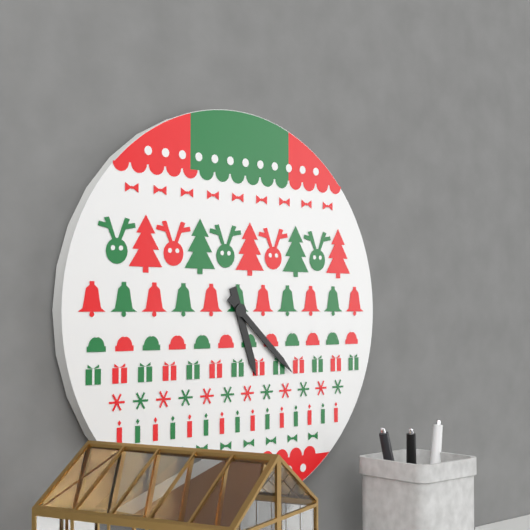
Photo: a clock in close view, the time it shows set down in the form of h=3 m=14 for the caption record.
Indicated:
h=5 m=22
